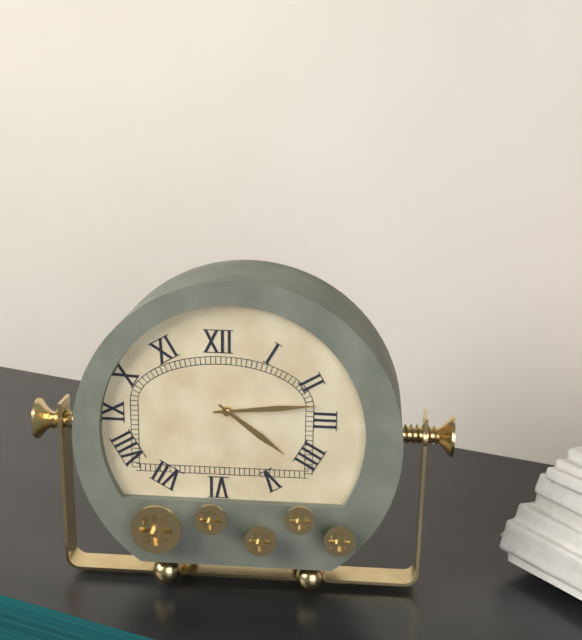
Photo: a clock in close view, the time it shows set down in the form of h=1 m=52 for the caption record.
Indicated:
h=4 m=14
